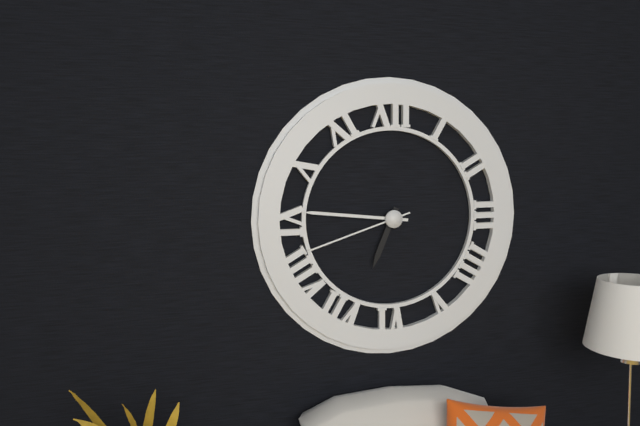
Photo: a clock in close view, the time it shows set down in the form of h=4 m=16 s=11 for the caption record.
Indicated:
h=6 m=46 s=42
